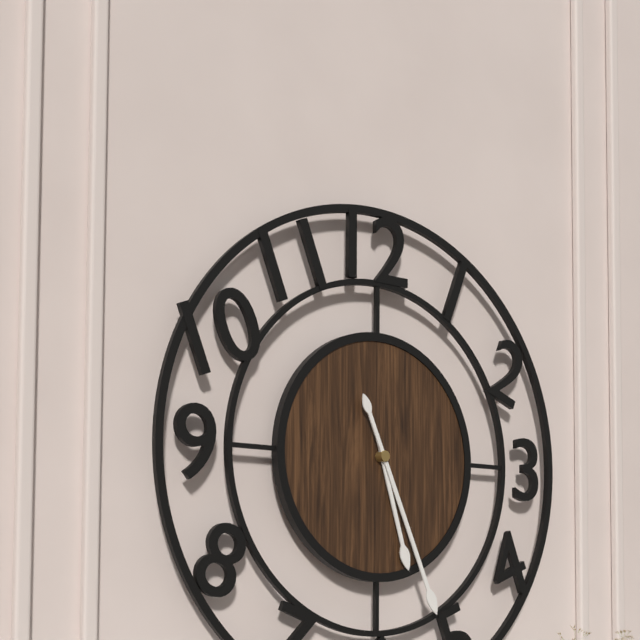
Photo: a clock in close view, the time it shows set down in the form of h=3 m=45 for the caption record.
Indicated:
h=5 m=26
